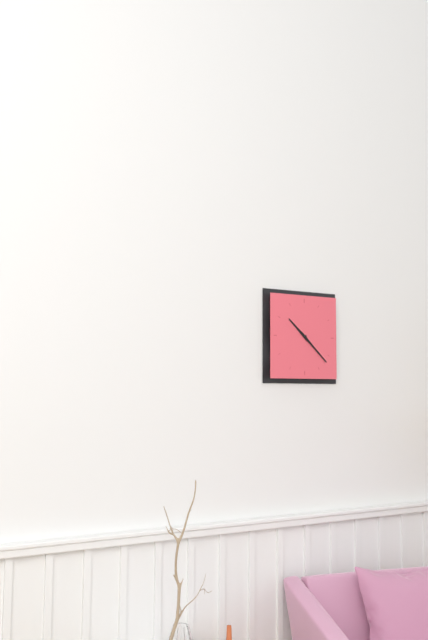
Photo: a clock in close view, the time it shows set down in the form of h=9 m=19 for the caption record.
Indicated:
h=10 m=22
